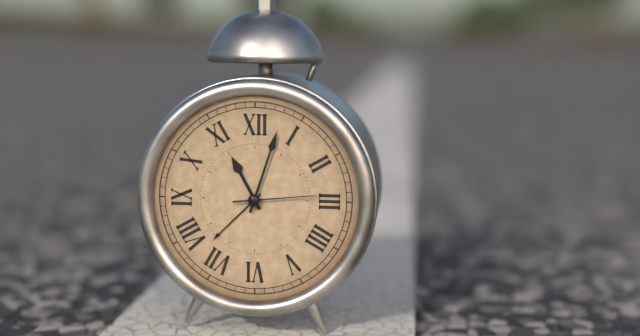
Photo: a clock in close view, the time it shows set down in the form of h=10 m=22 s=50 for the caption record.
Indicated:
h=11 m=3 s=14
